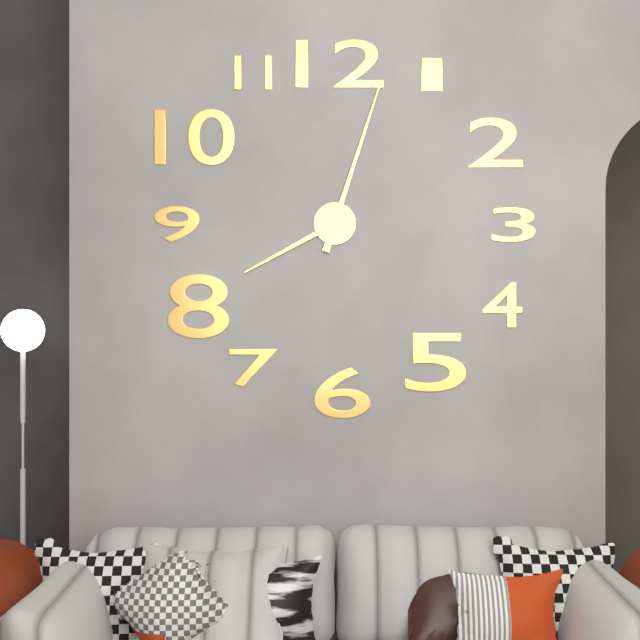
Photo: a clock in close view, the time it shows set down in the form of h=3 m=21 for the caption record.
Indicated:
h=8 m=3
